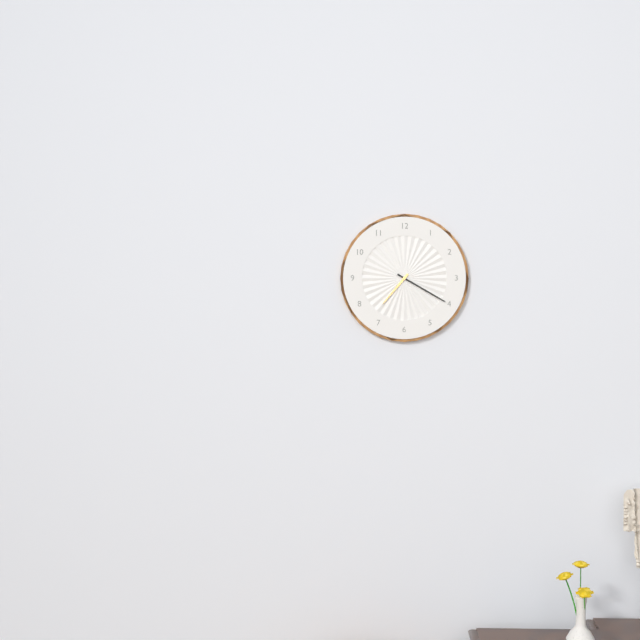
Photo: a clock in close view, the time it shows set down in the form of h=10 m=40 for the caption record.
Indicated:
h=7 m=20
